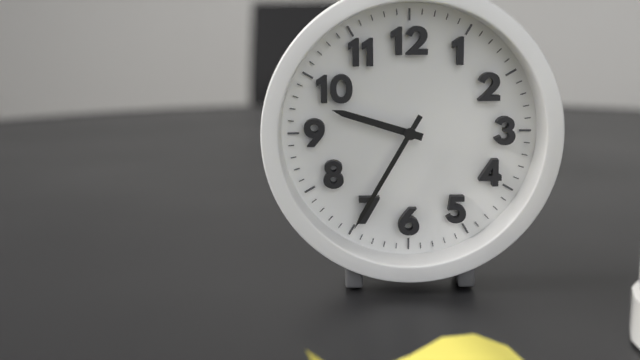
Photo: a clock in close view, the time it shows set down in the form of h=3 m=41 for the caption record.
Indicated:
h=9 m=35
